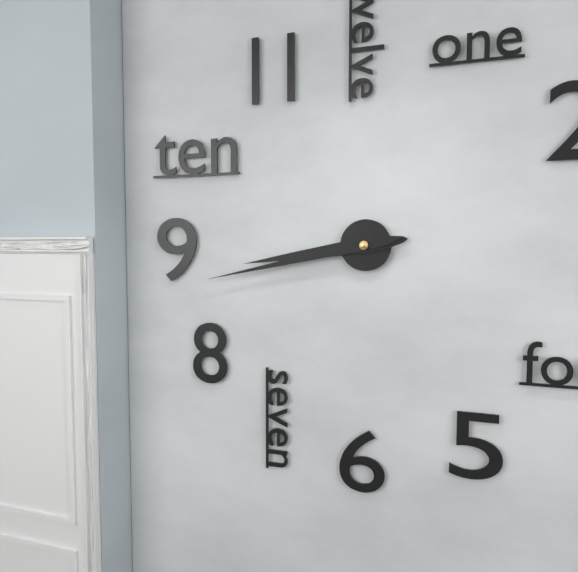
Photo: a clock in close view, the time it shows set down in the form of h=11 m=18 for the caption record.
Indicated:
h=8 m=43
